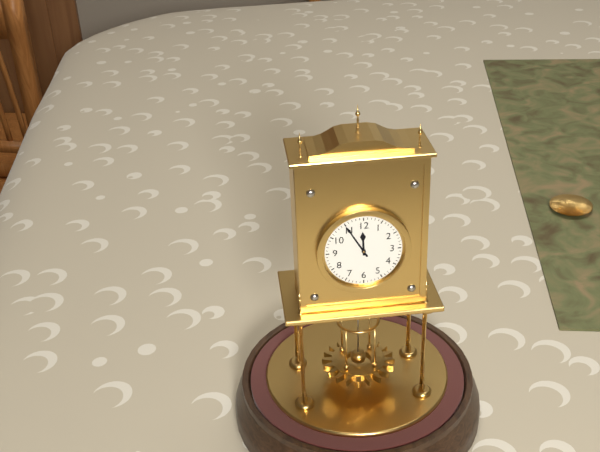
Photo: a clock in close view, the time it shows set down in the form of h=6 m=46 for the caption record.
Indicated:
h=11 m=55
